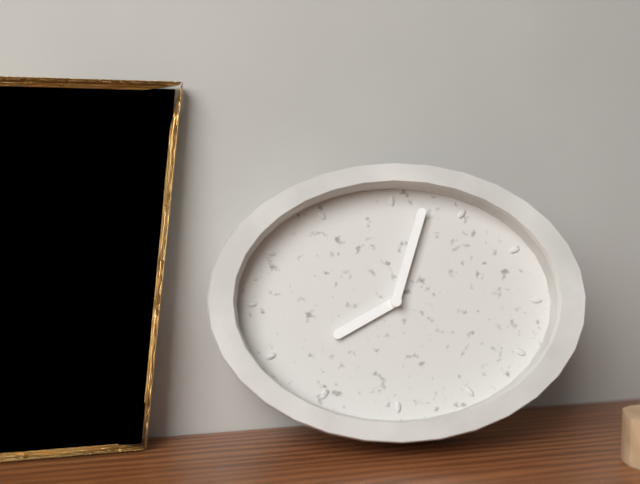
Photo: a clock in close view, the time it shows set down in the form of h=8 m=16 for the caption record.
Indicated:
h=8 m=3
